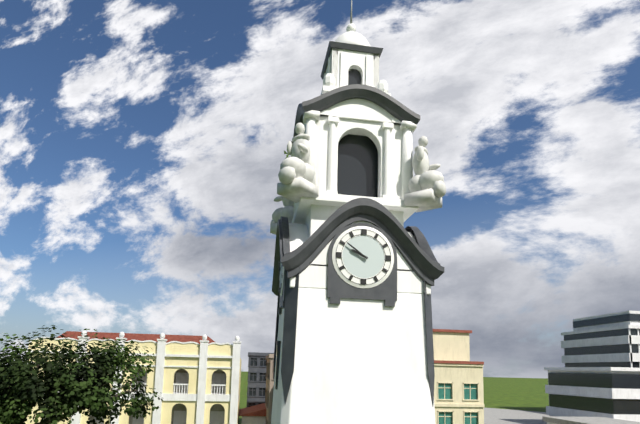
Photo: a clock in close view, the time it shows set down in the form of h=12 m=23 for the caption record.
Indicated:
h=9 m=51
